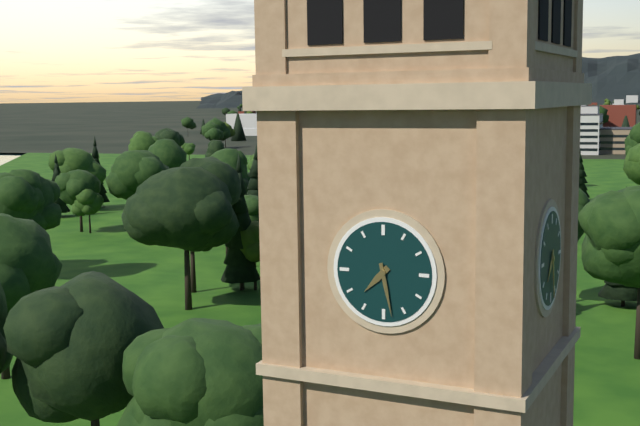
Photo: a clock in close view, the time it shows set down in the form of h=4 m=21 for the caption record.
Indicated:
h=7 m=28
